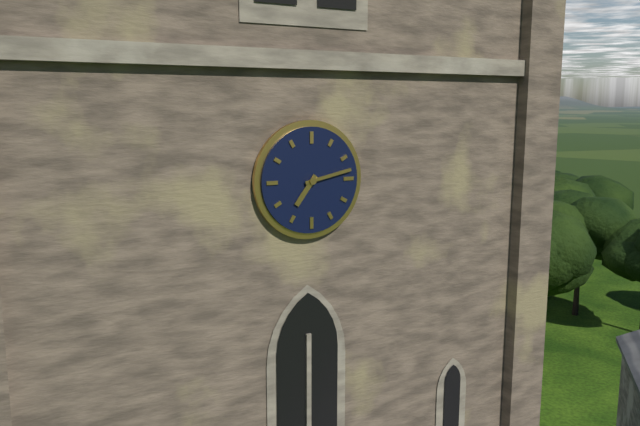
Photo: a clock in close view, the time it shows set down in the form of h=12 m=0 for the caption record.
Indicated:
h=7 m=13
